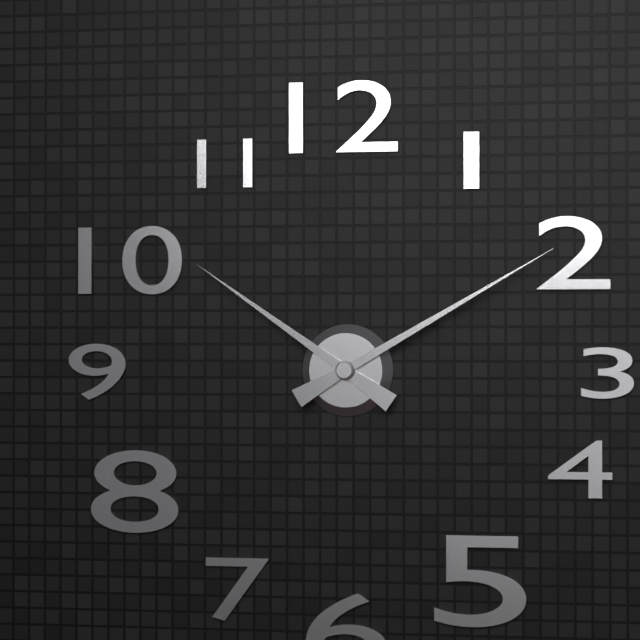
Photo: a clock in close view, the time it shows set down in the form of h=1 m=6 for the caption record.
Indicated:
h=10 m=10
